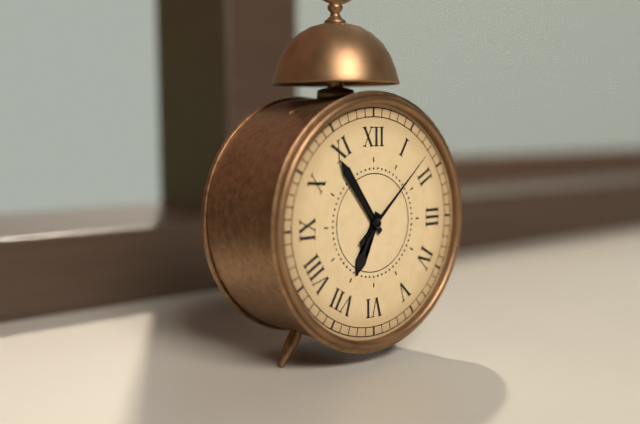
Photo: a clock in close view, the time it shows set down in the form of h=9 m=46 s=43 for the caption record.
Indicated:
h=6 m=54 s=8
